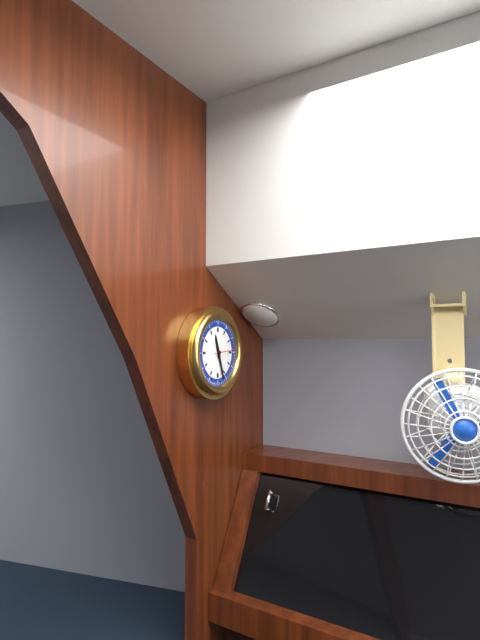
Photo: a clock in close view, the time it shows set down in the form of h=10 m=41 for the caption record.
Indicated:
h=11 m=27
